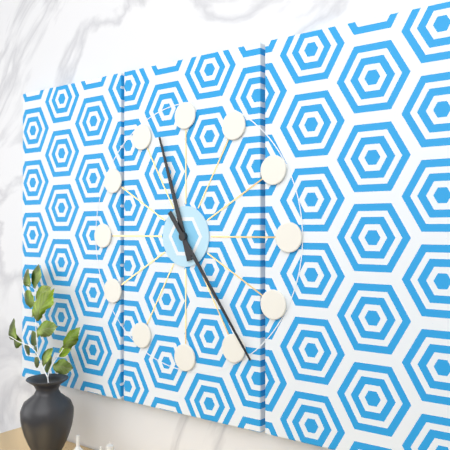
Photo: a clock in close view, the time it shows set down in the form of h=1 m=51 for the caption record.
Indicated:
h=11 m=24
